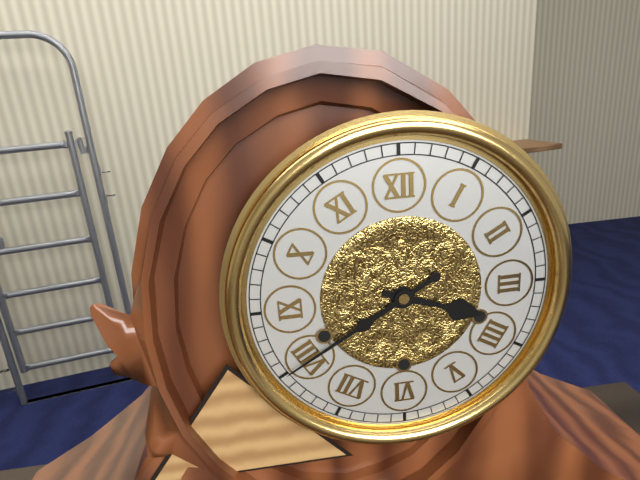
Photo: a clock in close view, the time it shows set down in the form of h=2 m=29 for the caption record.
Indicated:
h=3 m=40
